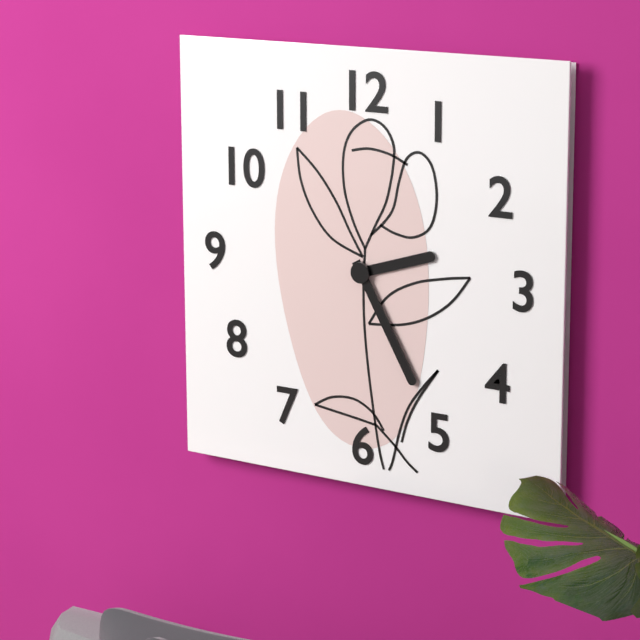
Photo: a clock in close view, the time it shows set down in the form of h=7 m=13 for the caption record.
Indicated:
h=2 m=25
